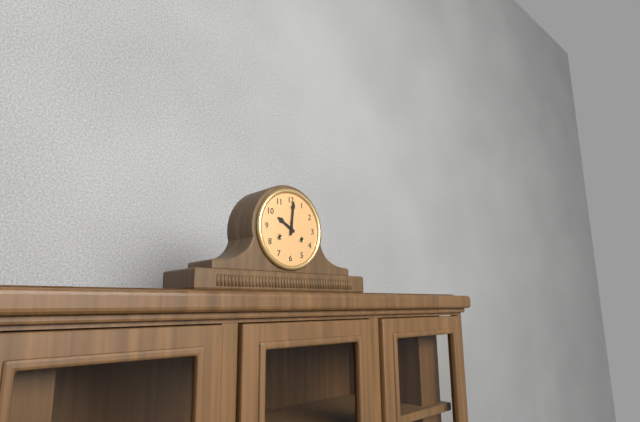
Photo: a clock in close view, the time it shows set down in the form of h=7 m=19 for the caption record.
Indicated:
h=10 m=1
